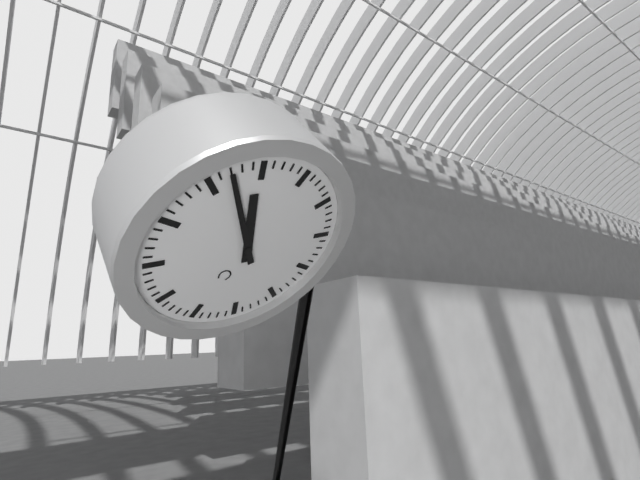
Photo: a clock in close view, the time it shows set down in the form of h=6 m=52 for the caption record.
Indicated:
h=10 m=52
